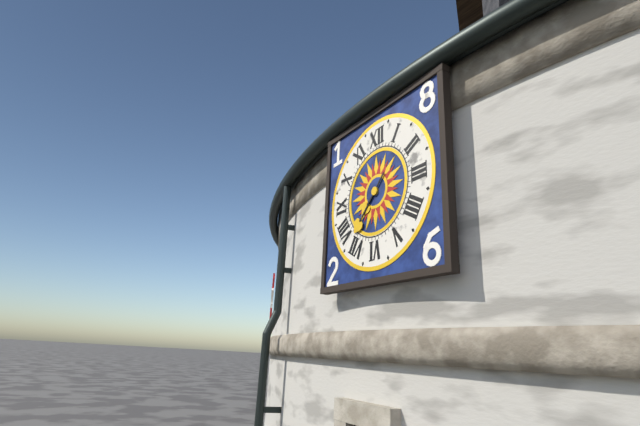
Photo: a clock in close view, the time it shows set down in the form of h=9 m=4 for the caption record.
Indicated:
h=7 m=37
